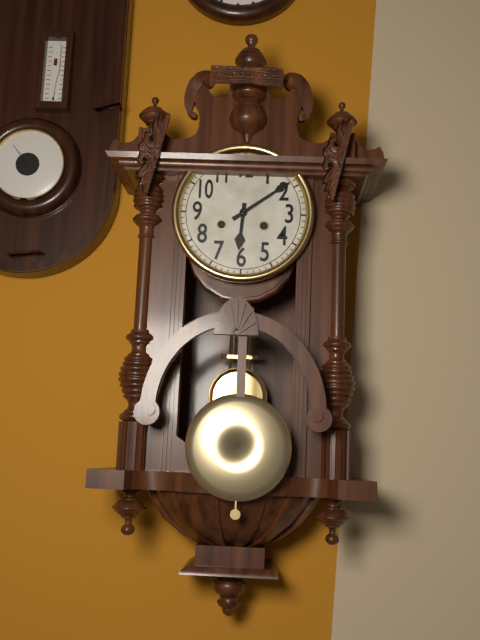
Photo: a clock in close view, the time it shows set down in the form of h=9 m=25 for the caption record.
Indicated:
h=6 m=9
